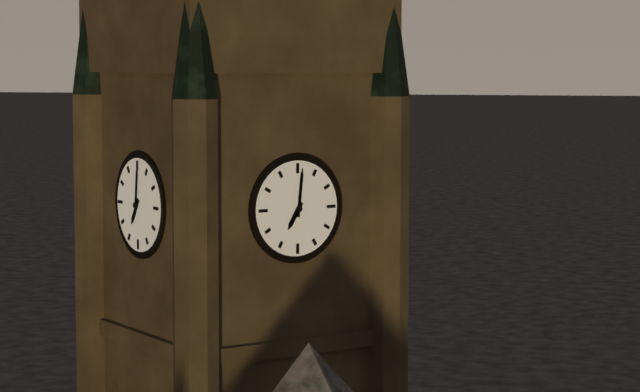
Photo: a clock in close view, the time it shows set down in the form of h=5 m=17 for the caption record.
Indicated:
h=7 m=1
